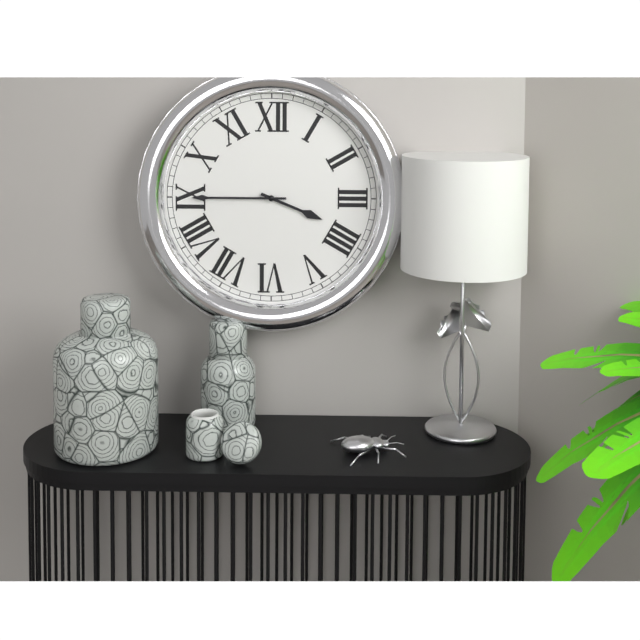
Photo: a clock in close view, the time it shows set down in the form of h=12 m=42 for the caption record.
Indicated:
h=3 m=45
